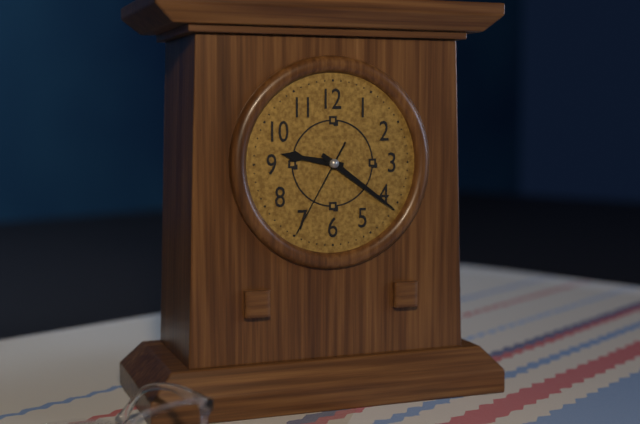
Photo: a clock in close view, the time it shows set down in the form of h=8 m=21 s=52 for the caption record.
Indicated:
h=9 m=21 s=35
